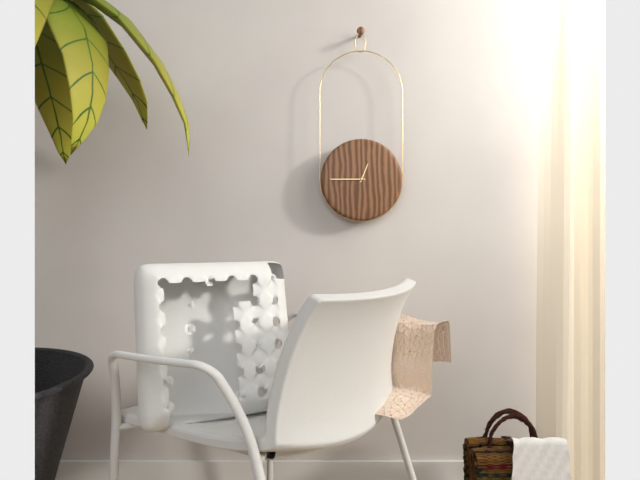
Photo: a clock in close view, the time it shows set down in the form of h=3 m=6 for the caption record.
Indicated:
h=12 m=45
